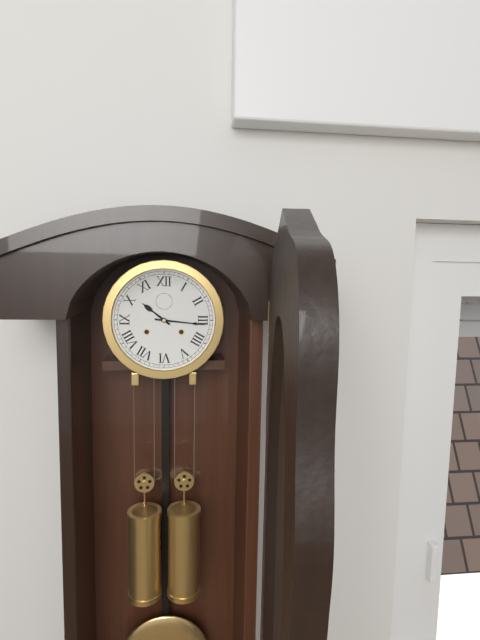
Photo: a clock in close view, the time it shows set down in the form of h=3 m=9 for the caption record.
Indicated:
h=10 m=16
